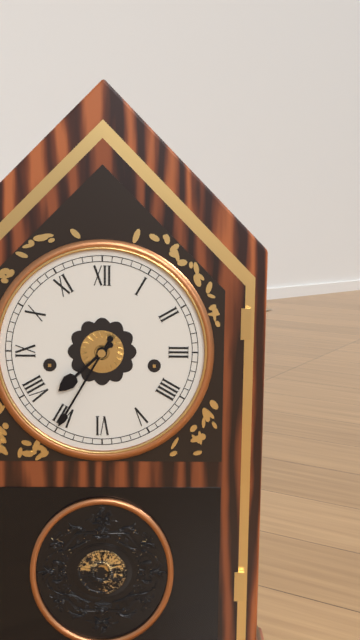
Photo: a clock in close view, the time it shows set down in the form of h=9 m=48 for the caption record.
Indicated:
h=7 m=35
